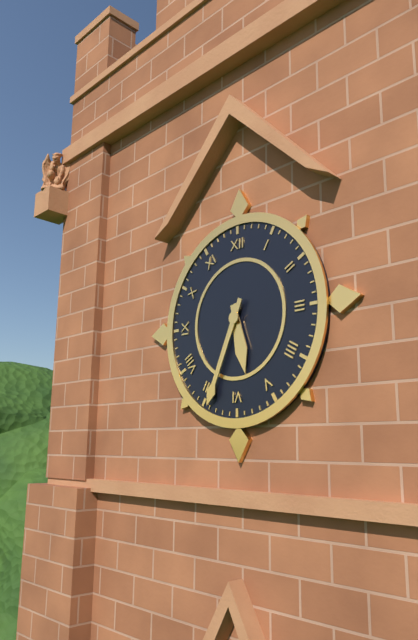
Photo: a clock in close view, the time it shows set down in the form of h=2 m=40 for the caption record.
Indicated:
h=5 m=34
